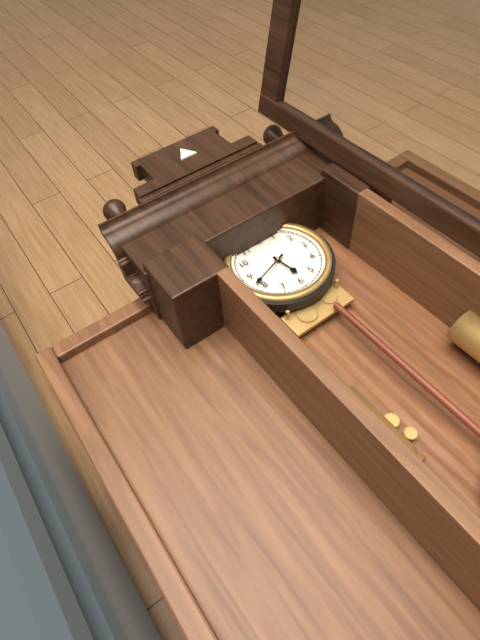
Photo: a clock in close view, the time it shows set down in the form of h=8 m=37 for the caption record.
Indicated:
h=5 m=42
